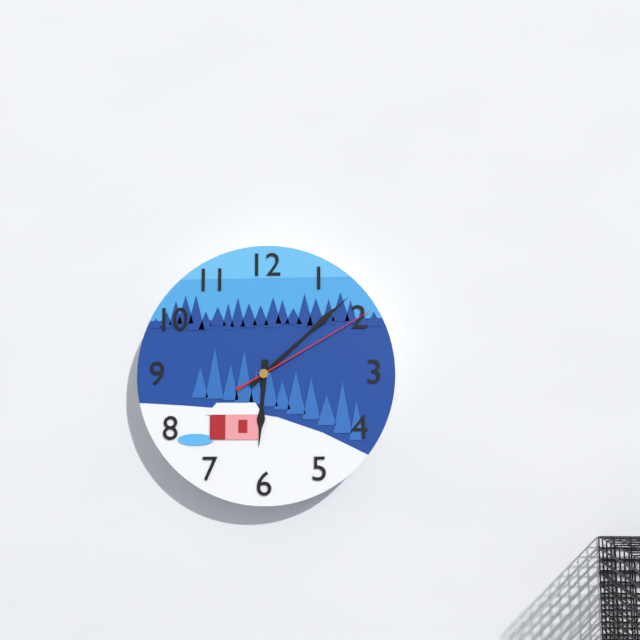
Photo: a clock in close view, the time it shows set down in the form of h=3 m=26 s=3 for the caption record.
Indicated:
h=6 m=8 s=10
